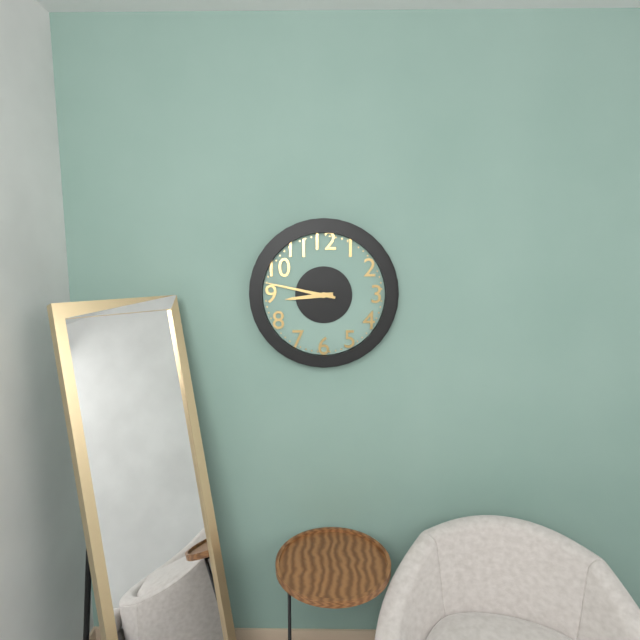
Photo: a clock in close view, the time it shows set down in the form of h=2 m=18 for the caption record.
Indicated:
h=8 m=47
